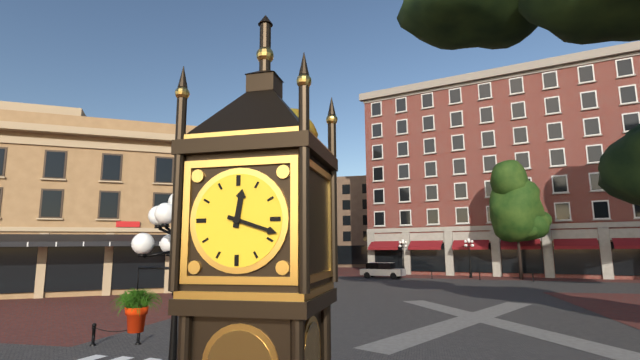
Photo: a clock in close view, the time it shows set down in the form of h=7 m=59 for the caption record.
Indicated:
h=12 m=18
